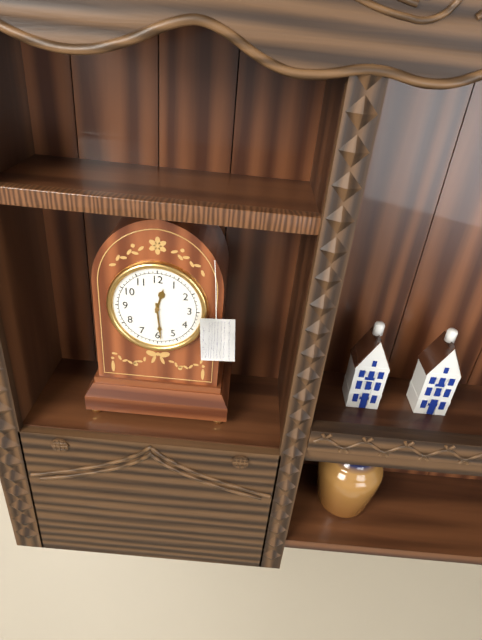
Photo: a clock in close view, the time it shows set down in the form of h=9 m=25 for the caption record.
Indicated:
h=12 m=29
